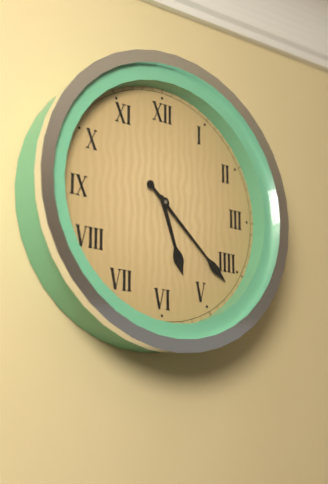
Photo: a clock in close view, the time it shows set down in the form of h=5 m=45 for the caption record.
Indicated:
h=5 m=22
